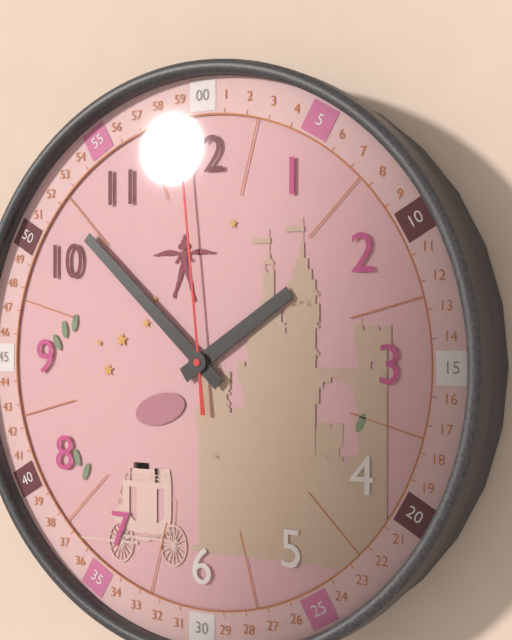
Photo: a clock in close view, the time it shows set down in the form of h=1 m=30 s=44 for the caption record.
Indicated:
h=1 m=52 s=59
